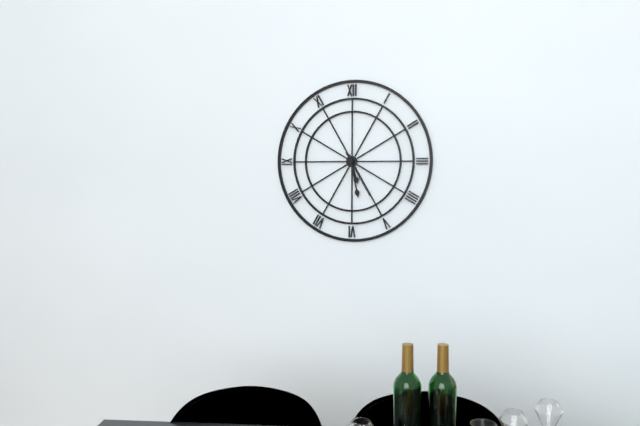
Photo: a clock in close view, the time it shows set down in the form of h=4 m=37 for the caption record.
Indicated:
h=5 m=28
